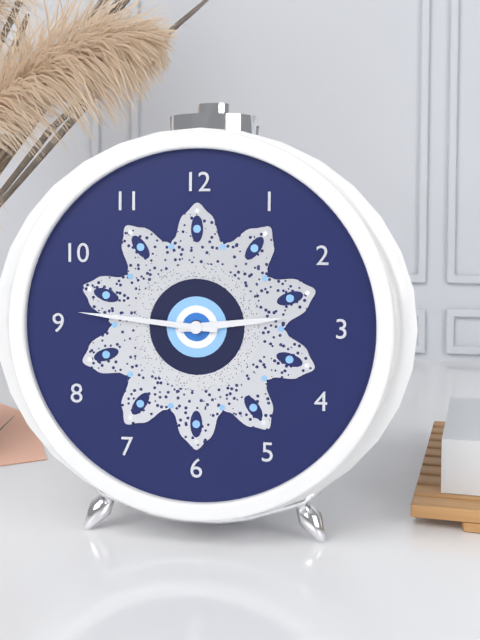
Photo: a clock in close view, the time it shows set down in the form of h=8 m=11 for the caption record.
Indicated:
h=2 m=46
